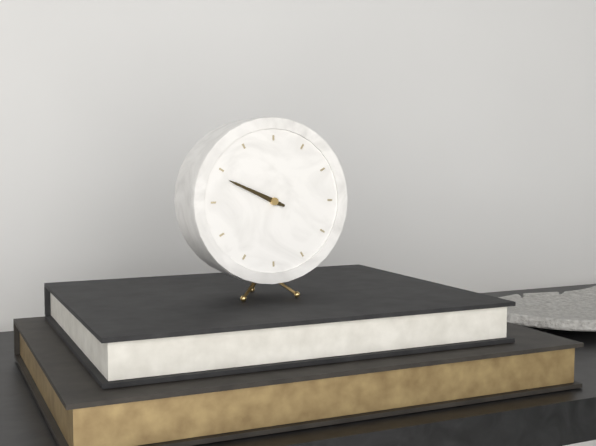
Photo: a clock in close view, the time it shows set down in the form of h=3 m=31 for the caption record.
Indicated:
h=9 m=49
